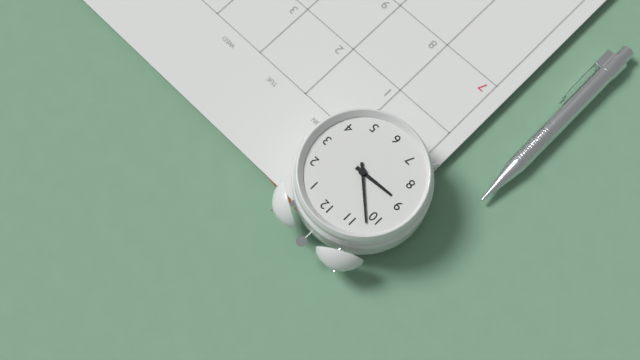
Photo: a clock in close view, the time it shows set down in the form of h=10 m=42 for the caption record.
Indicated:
h=8 m=52
